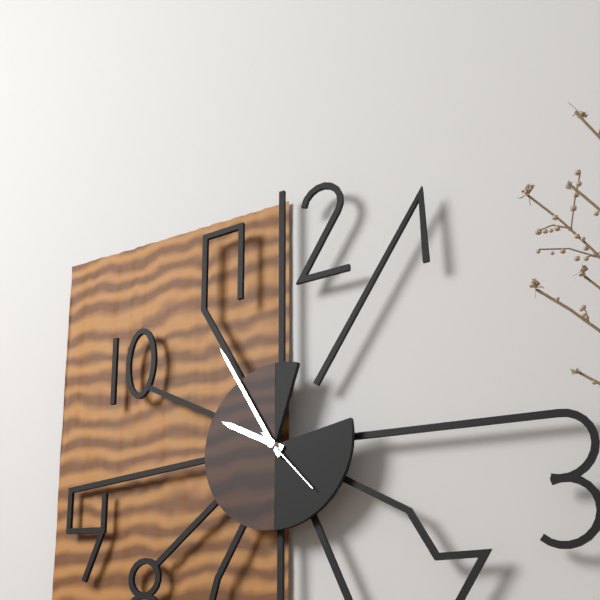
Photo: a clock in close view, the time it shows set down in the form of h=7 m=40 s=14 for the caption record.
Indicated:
h=9 m=55 s=23
